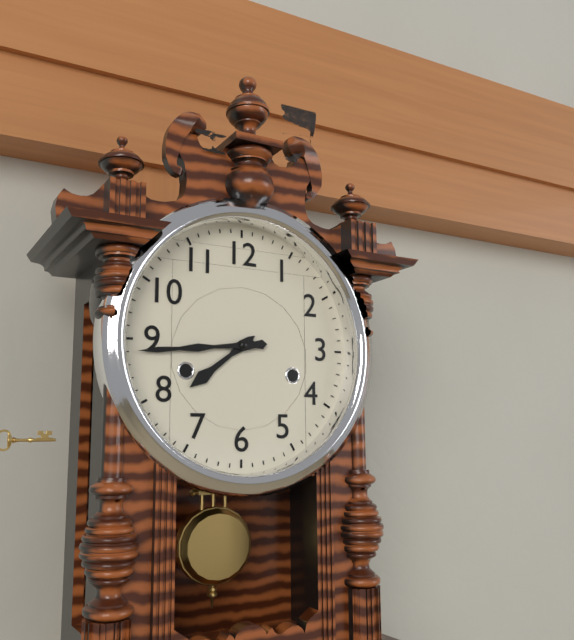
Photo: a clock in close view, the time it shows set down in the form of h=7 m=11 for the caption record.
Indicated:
h=7 m=44
